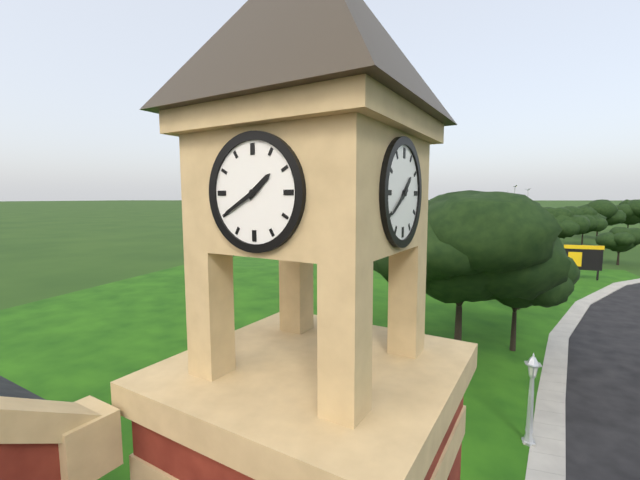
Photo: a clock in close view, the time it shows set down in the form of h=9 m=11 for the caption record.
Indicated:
h=1 m=40
